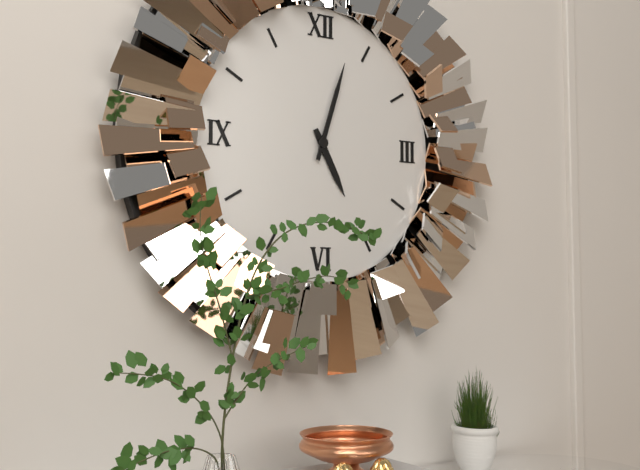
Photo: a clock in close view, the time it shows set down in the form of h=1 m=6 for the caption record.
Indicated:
h=5 m=3
